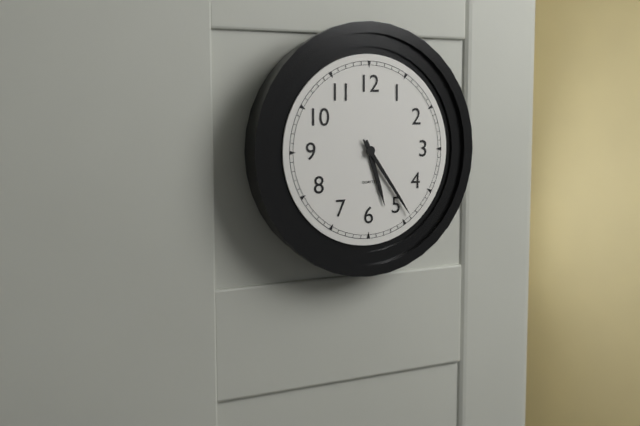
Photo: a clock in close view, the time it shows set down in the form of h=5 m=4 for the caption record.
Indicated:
h=5 m=24
